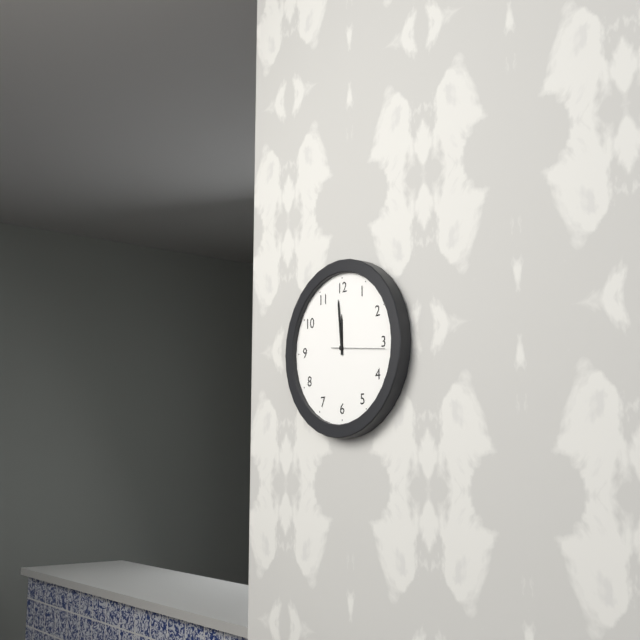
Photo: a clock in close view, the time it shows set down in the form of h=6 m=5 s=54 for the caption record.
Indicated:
h=11 m=59 s=16
